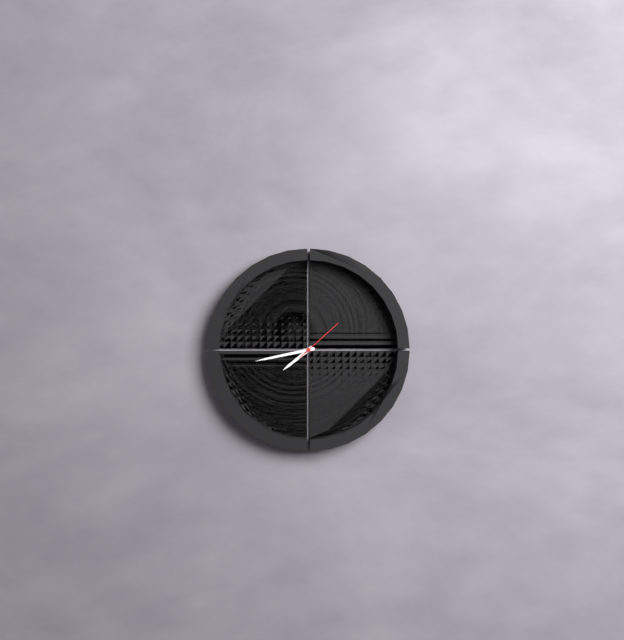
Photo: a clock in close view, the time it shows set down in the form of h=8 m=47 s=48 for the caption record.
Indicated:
h=7 m=43 s=8
